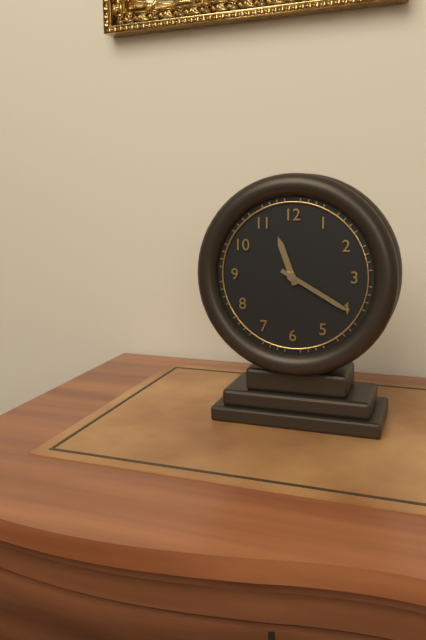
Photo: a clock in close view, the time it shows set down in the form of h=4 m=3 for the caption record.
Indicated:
h=11 m=20
